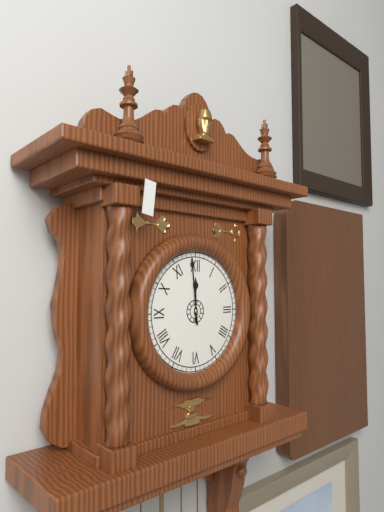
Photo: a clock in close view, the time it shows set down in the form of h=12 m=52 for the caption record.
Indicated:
h=11 m=59
